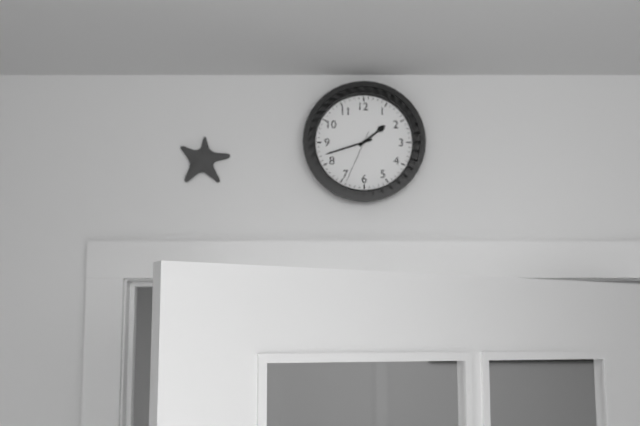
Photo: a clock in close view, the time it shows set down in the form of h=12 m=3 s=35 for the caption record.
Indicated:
h=1 m=42 s=34
